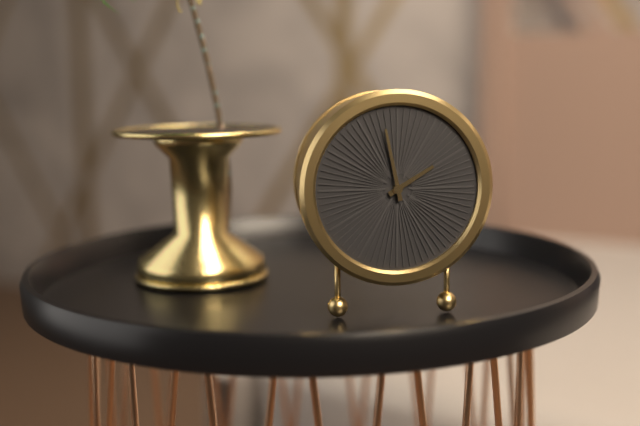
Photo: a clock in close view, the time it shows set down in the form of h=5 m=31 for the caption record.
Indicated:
h=1 m=58
